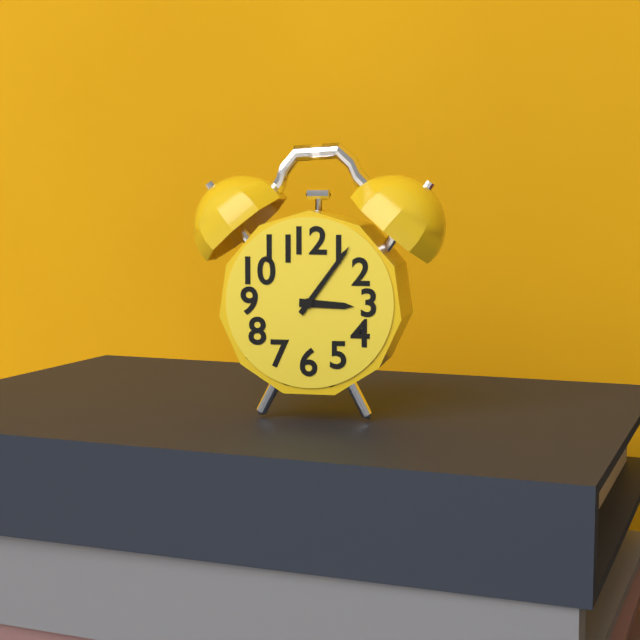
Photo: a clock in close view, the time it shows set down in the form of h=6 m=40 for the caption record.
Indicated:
h=3 m=6
